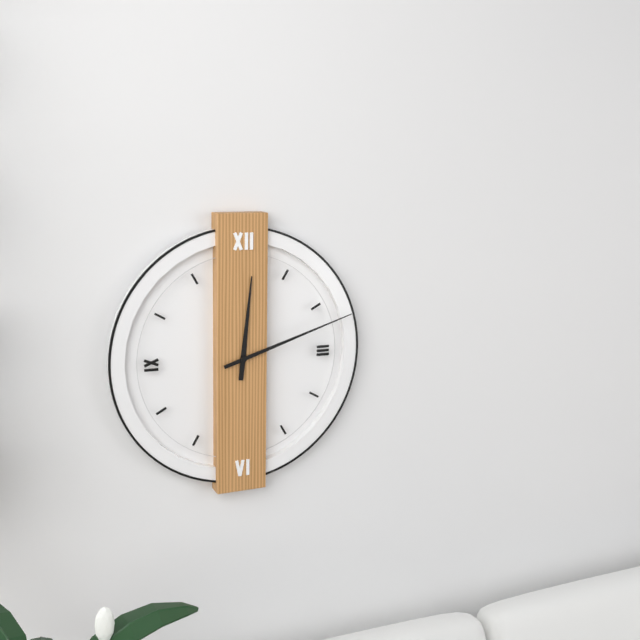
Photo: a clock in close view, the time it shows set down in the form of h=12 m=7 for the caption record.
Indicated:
h=12 m=12
